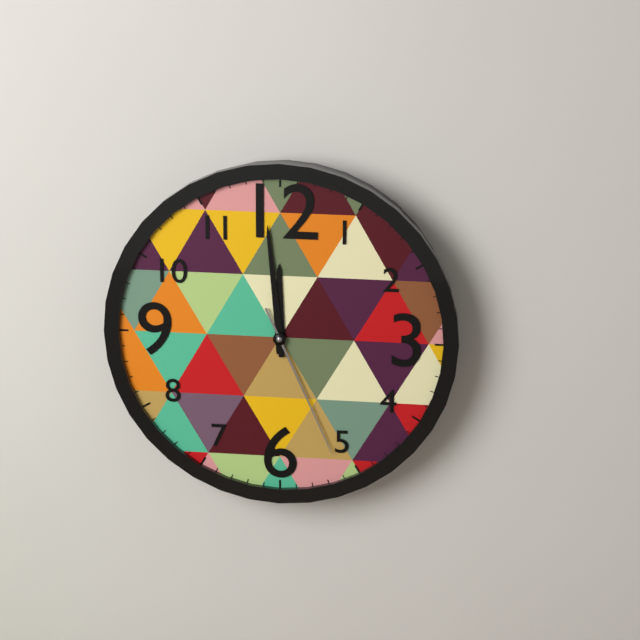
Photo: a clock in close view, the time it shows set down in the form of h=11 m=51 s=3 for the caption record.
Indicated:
h=11 m=59 s=26
